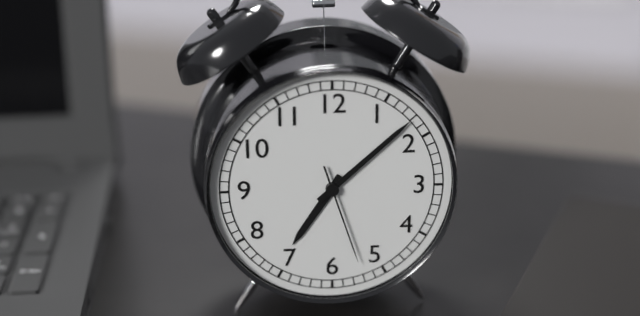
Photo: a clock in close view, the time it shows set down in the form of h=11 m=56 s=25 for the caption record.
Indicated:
h=7 m=8 s=27
